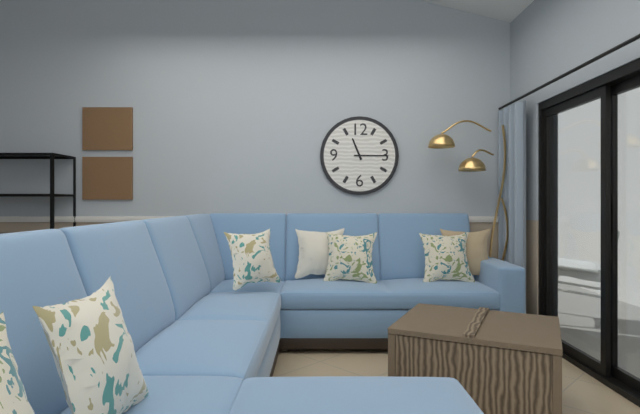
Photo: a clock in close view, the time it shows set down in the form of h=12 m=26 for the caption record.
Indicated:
h=11 m=15
